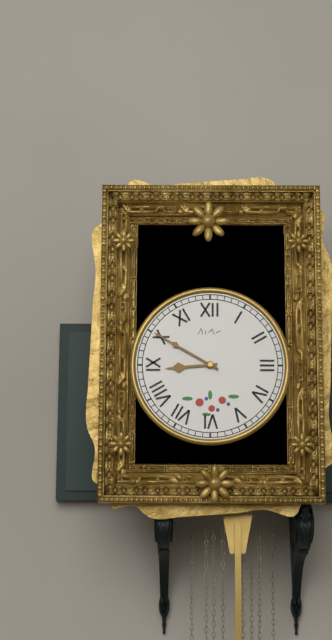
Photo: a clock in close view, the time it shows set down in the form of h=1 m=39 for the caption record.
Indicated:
h=8 m=50
